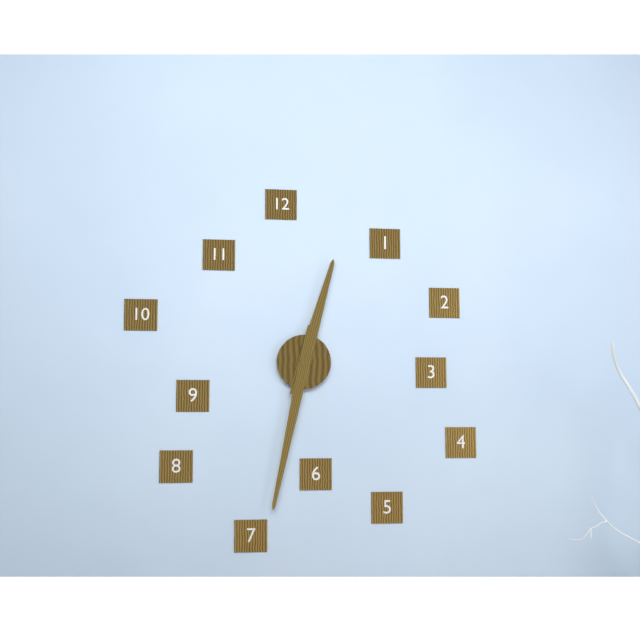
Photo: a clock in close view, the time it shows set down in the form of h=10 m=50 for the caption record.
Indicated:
h=12 m=32
